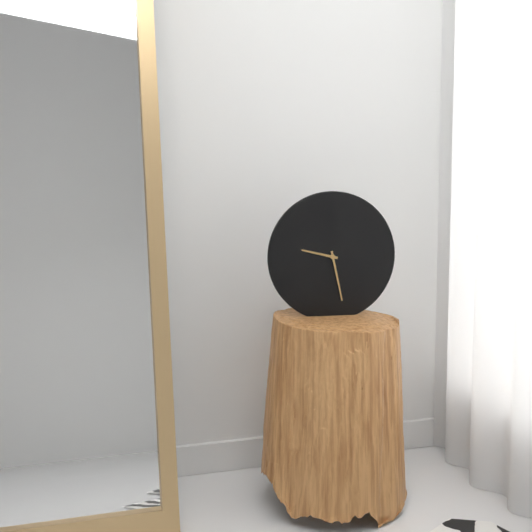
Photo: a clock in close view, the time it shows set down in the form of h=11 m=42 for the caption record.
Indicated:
h=9 m=28
